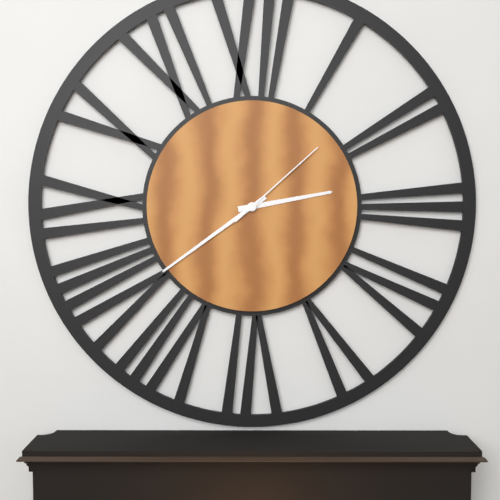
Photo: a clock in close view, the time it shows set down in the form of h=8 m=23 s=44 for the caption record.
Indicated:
h=2 m=39 s=8
